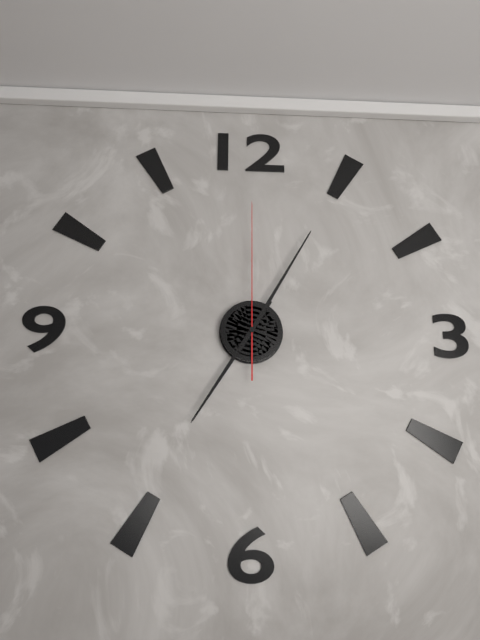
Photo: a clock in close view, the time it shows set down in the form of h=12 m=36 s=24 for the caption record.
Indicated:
h=7 m=5 s=0
